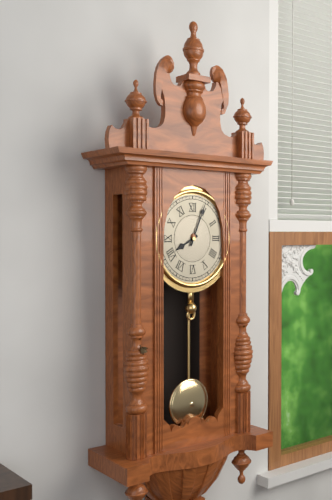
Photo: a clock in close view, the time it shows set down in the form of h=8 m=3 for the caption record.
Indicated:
h=8 m=4
